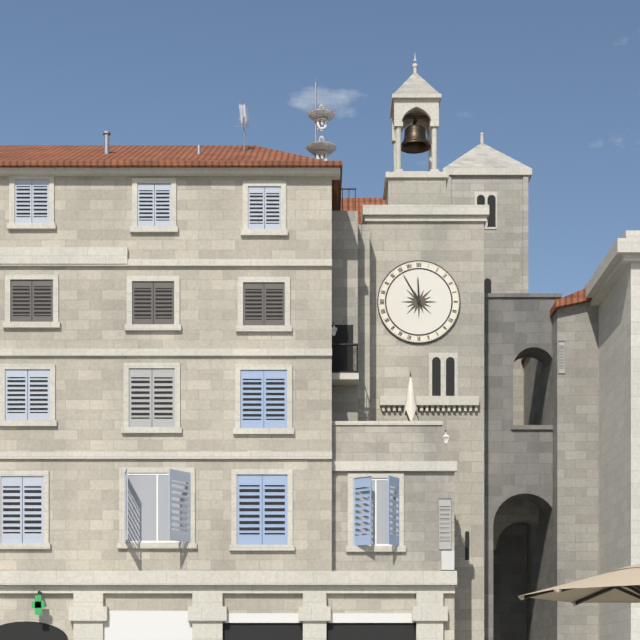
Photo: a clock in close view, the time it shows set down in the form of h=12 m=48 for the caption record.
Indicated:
h=11 m=55
